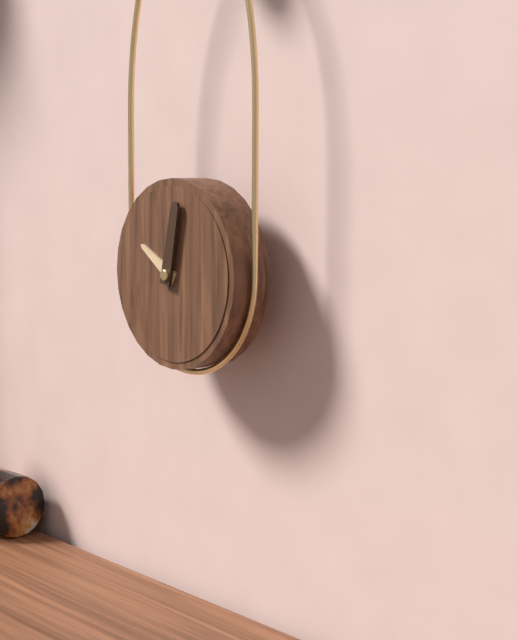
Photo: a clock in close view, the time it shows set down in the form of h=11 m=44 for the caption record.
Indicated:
h=10 m=2
